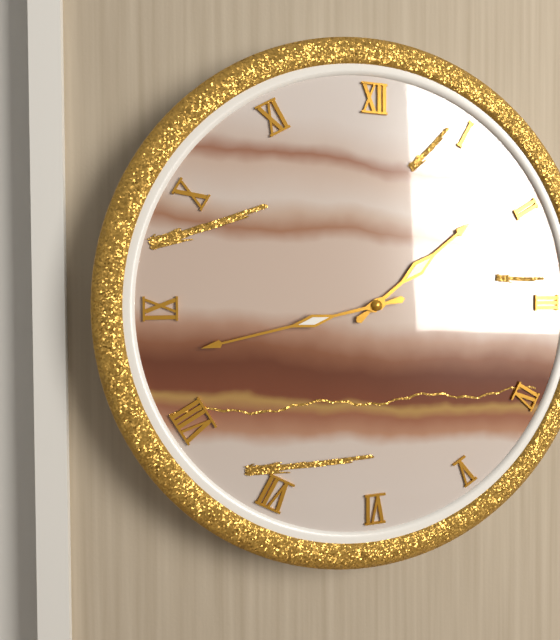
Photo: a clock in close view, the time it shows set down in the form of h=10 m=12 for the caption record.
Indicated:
h=1 m=43
